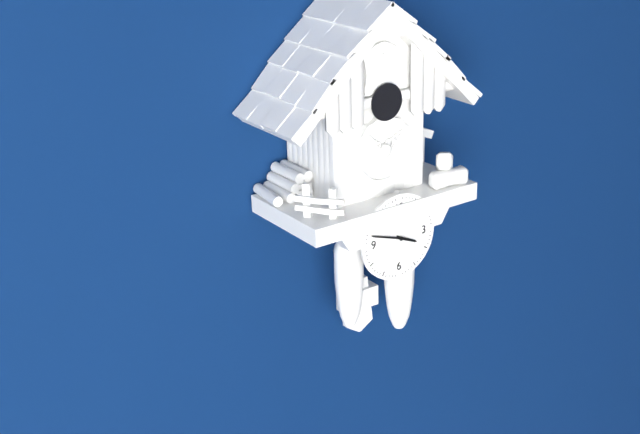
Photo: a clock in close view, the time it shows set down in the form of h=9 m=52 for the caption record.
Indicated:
h=3 m=48
